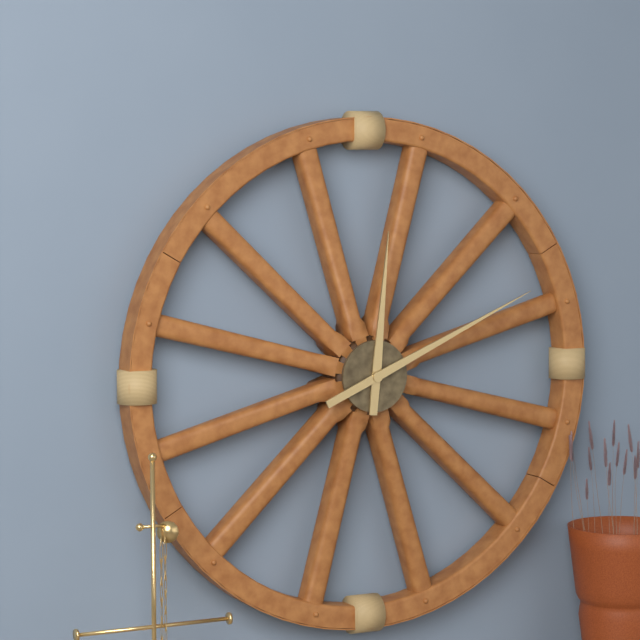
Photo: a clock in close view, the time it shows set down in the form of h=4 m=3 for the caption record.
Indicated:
h=12 m=11
